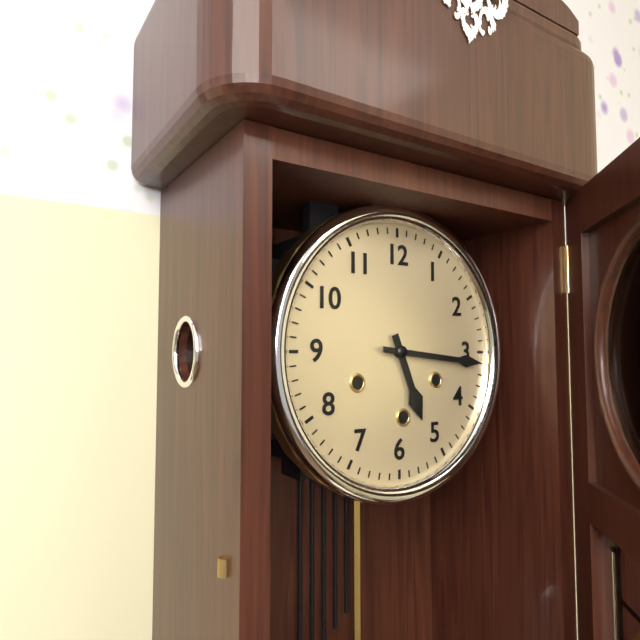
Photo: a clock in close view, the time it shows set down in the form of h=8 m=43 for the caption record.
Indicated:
h=5 m=16
